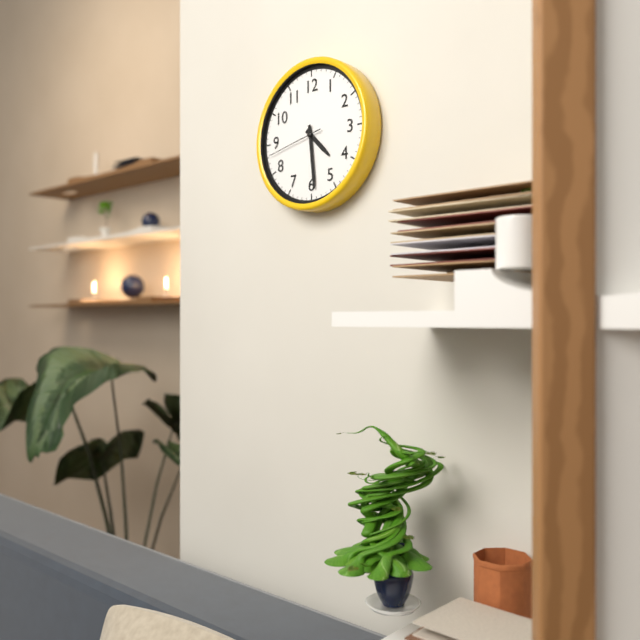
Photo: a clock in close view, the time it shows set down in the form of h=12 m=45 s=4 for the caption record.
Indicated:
h=4 m=29 s=43
